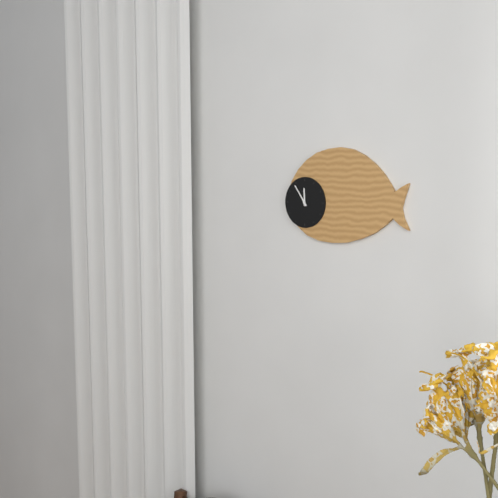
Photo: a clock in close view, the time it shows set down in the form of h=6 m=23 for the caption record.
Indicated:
h=11 m=54
